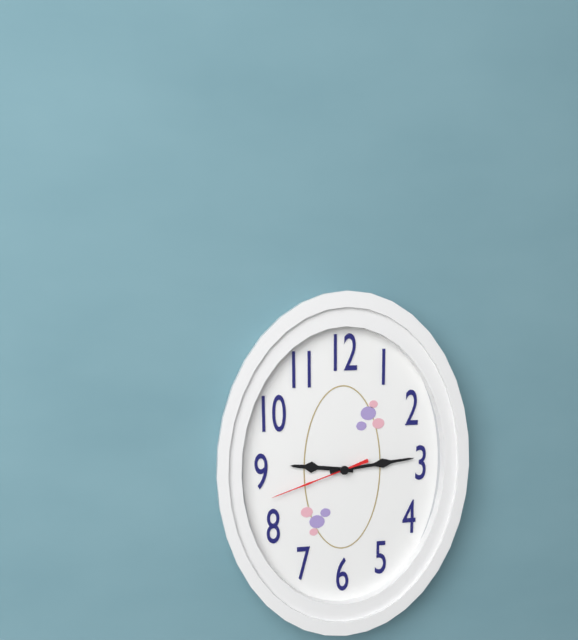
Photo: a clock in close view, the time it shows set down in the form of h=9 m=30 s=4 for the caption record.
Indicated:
h=9 m=14 s=42
